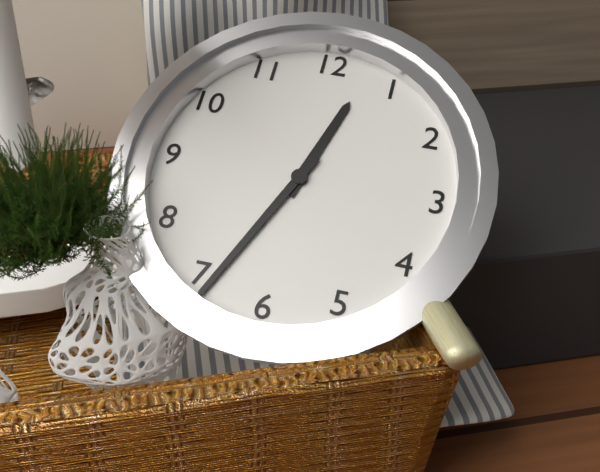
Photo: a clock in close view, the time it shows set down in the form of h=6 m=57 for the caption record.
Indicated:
h=12 m=34
